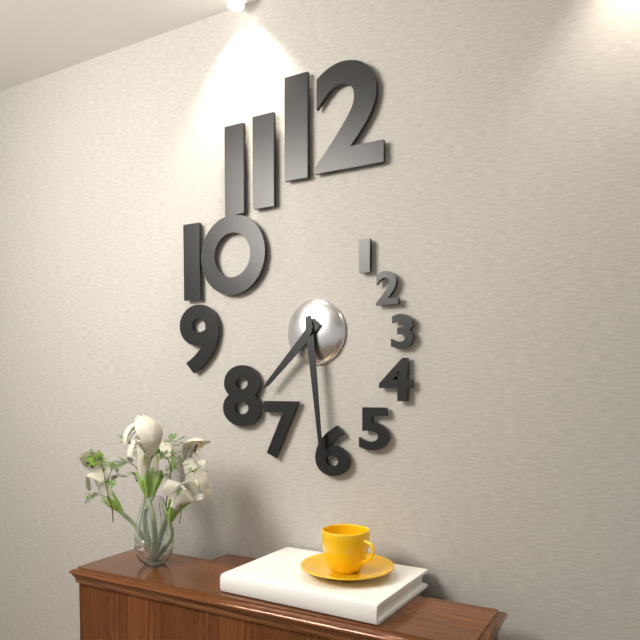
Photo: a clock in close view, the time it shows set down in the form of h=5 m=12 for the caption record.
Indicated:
h=7 m=29
